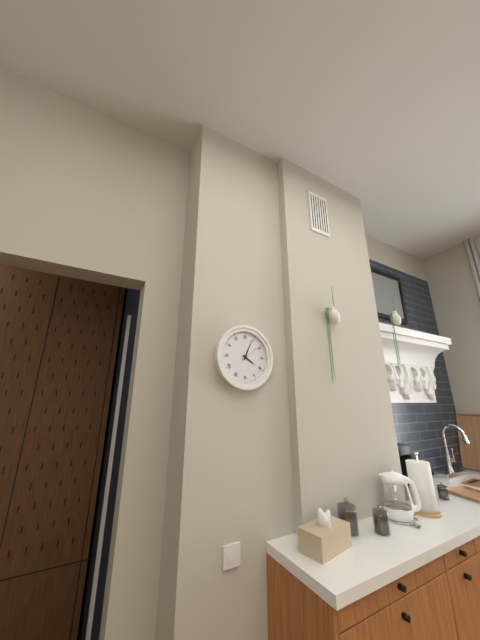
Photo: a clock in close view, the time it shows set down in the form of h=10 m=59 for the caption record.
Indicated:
h=4 m=4
